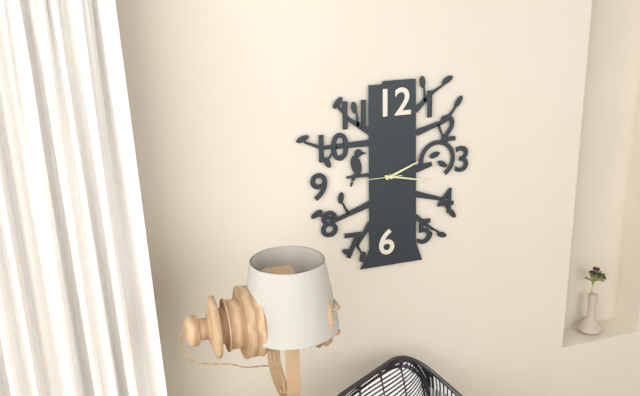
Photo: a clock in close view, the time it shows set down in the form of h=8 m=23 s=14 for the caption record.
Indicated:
h=2 m=17 s=45
